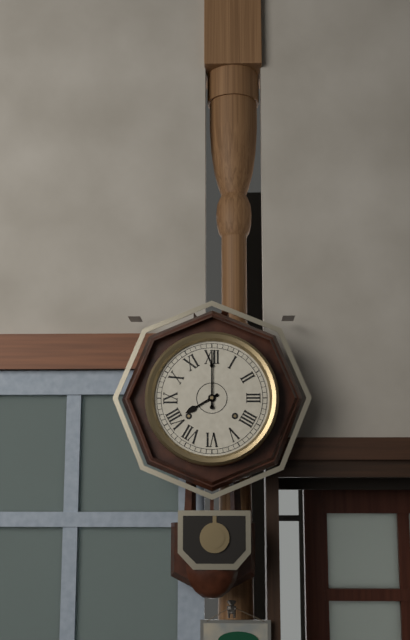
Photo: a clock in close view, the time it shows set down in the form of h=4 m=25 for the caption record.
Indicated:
h=8 m=0
